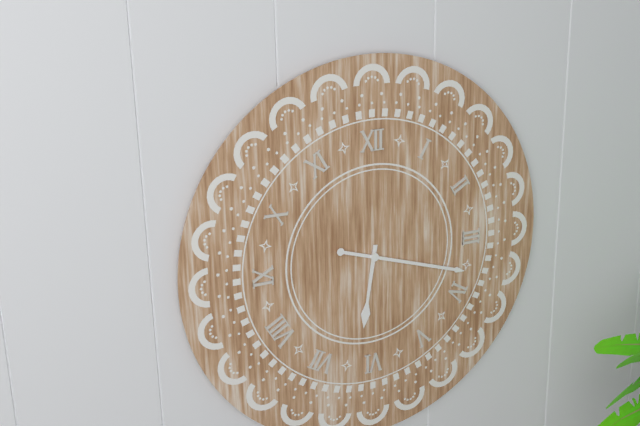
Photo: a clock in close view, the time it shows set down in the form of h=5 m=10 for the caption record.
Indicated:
h=6 m=18
